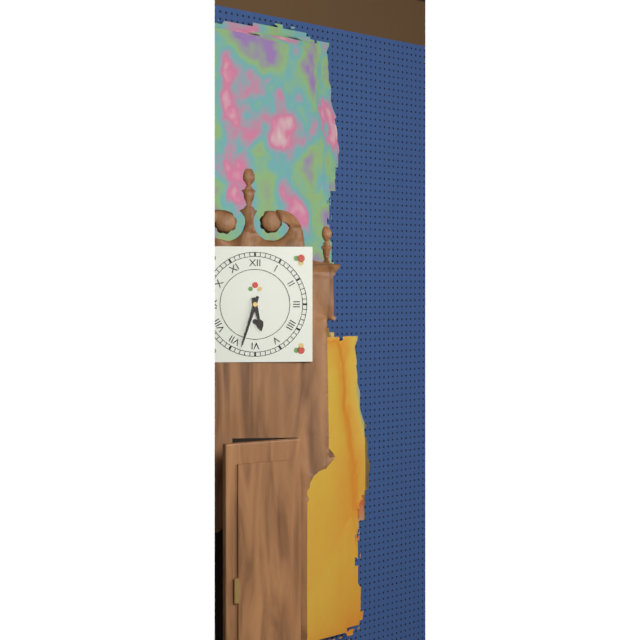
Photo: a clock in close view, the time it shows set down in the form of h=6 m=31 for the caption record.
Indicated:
h=5 m=33
